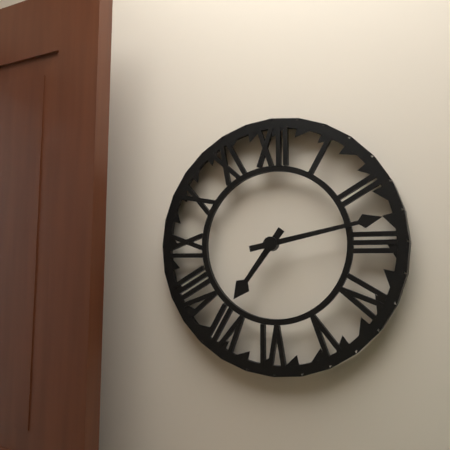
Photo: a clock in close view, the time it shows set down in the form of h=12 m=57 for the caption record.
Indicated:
h=7 m=13
